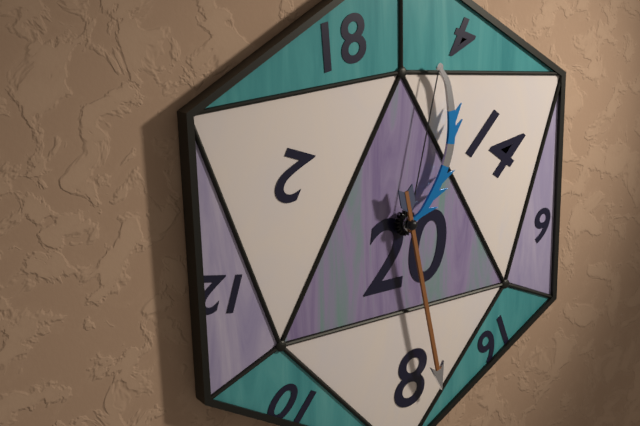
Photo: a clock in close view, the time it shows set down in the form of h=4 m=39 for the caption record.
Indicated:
h=12 m=28
